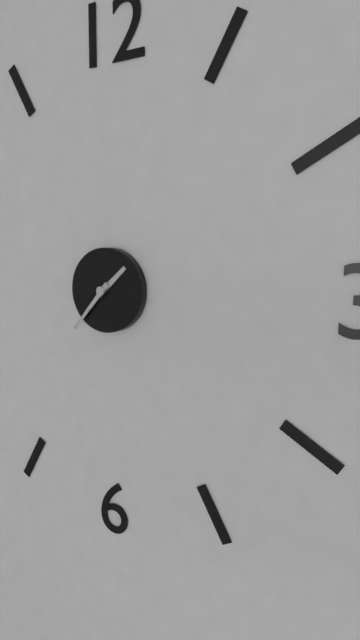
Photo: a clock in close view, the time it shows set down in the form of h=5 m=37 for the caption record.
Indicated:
h=1 m=37
